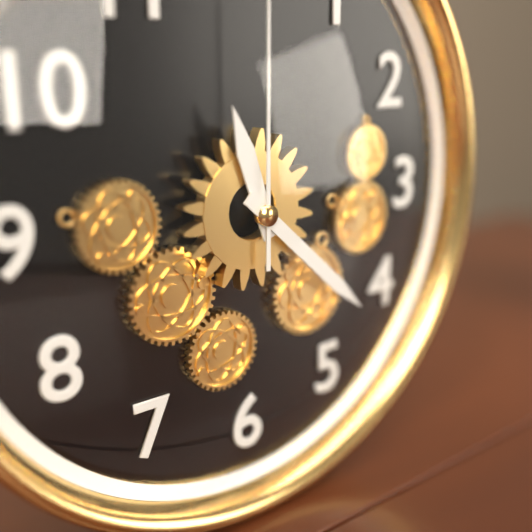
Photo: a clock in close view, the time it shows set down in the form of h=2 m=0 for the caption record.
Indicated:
h=11 m=22
